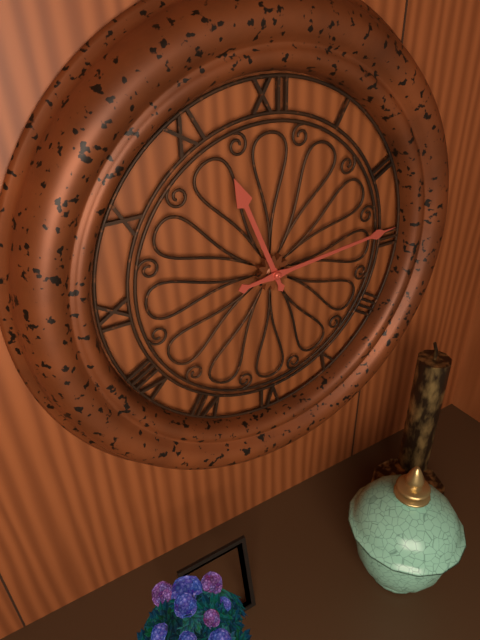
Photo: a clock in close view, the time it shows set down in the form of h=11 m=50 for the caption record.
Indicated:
h=11 m=14
